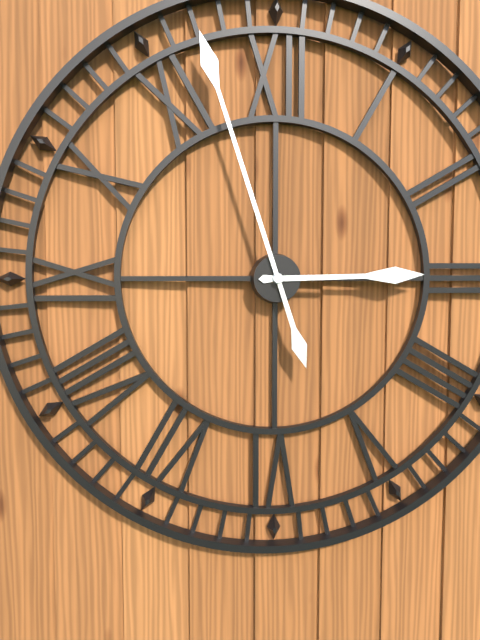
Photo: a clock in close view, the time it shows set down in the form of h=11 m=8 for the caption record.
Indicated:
h=2 m=57
